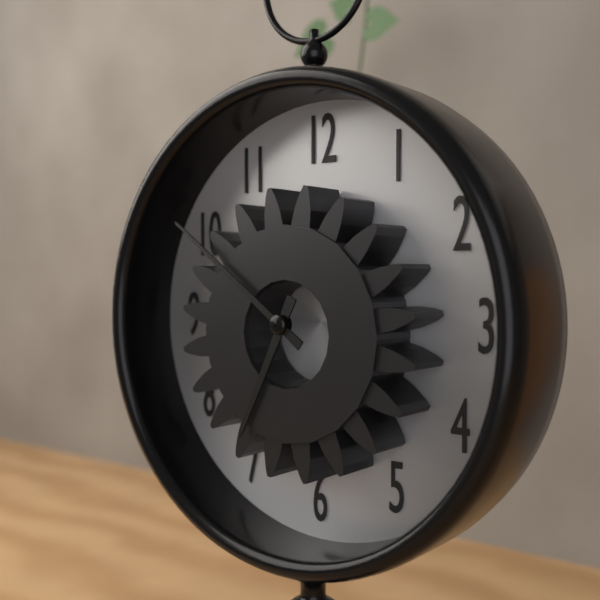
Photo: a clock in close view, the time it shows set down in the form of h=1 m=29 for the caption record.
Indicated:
h=6 m=51
